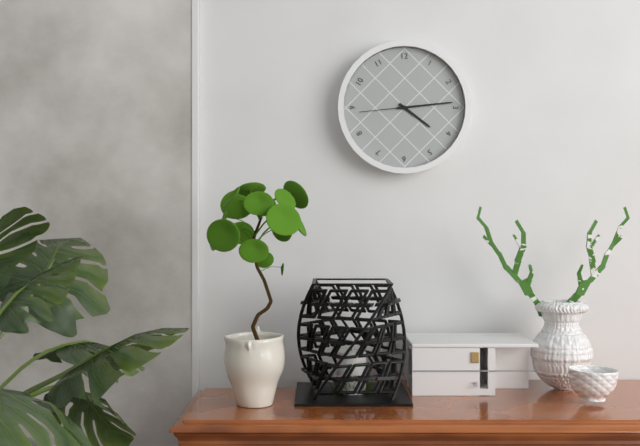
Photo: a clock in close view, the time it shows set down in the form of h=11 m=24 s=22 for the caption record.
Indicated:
h=4 m=14 s=44
